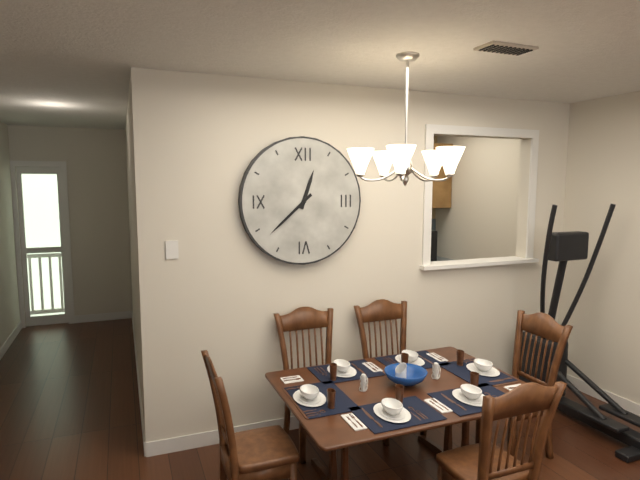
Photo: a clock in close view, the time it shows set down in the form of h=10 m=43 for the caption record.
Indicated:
h=12 m=38
